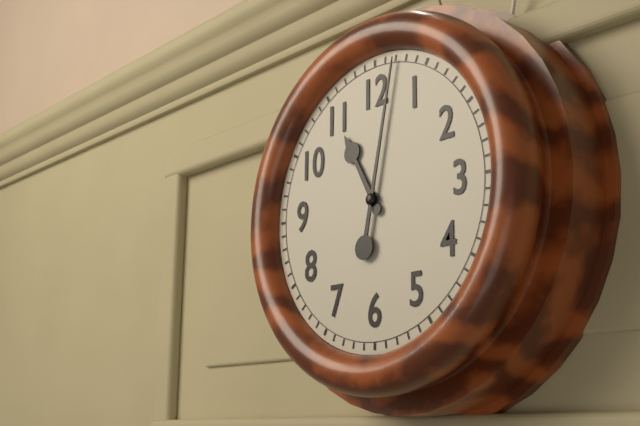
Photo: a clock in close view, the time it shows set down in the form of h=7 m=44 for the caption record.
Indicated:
h=11 m=2
